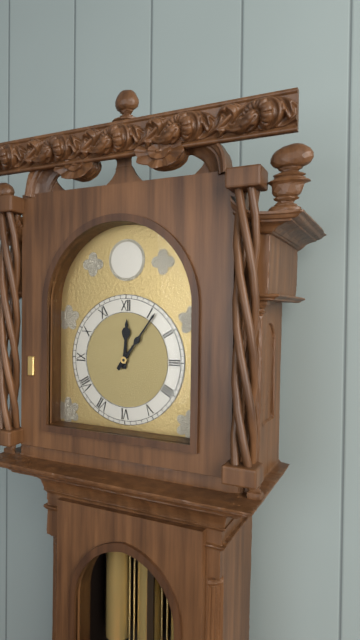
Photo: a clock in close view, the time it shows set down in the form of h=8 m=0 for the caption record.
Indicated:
h=12 m=6
